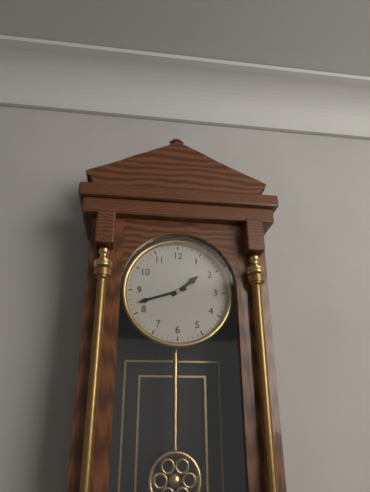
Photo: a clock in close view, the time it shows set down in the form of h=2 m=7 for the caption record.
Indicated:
h=1 m=42
